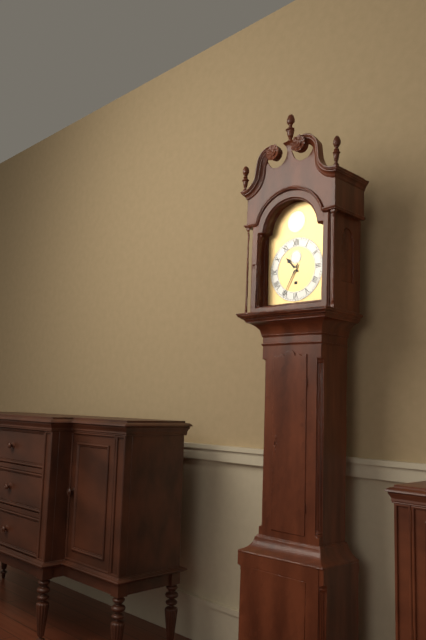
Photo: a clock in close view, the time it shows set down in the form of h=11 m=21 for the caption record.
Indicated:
h=10 m=35
